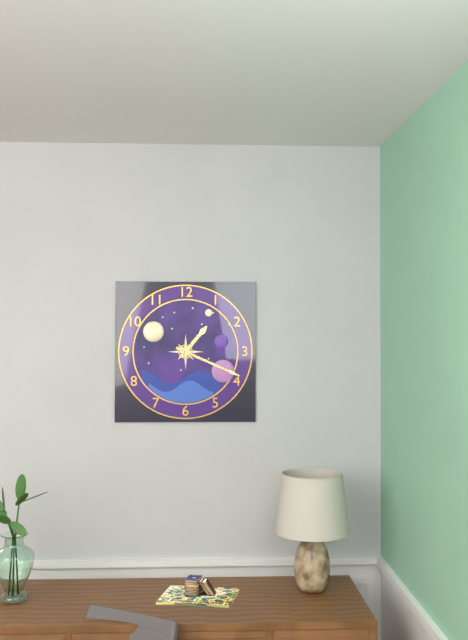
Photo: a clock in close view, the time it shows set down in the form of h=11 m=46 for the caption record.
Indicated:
h=1 m=19
